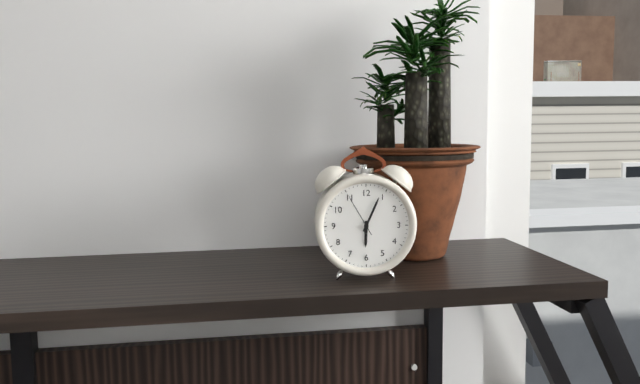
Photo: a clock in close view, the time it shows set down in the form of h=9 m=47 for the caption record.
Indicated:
h=6 m=4
